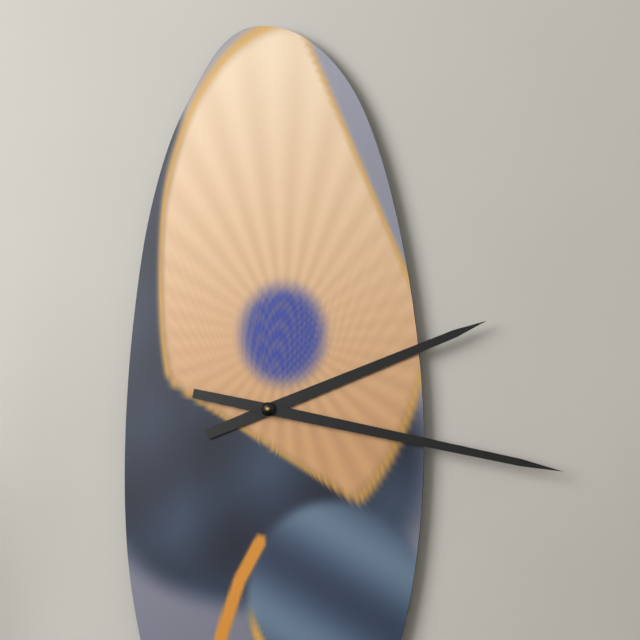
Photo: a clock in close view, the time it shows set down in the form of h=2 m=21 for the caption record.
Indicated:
h=2 m=17
